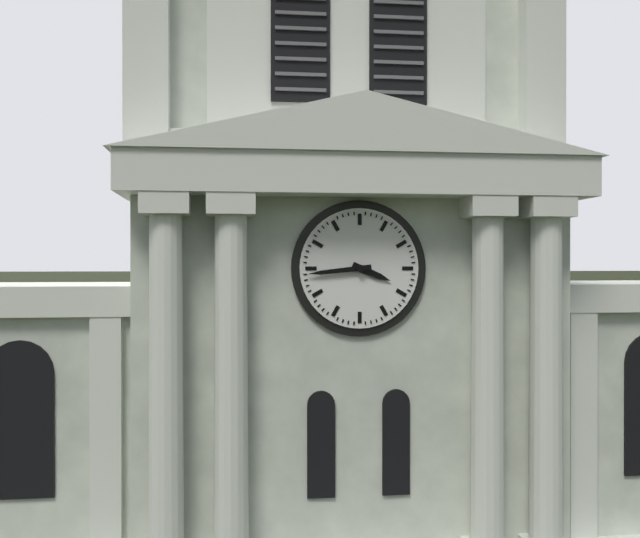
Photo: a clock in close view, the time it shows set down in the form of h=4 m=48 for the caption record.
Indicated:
h=3 m=44
